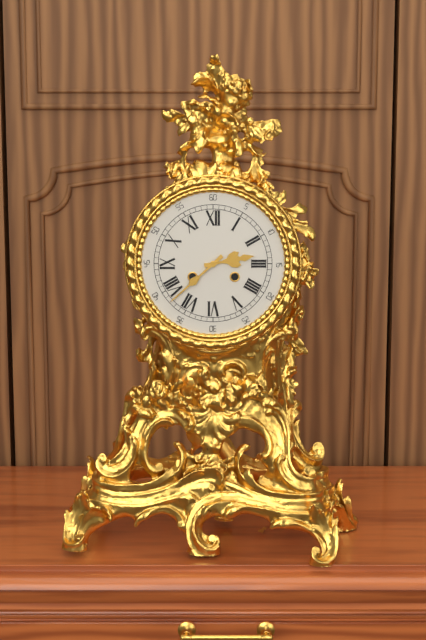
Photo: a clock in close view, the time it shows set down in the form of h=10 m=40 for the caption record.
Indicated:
h=2 m=38
